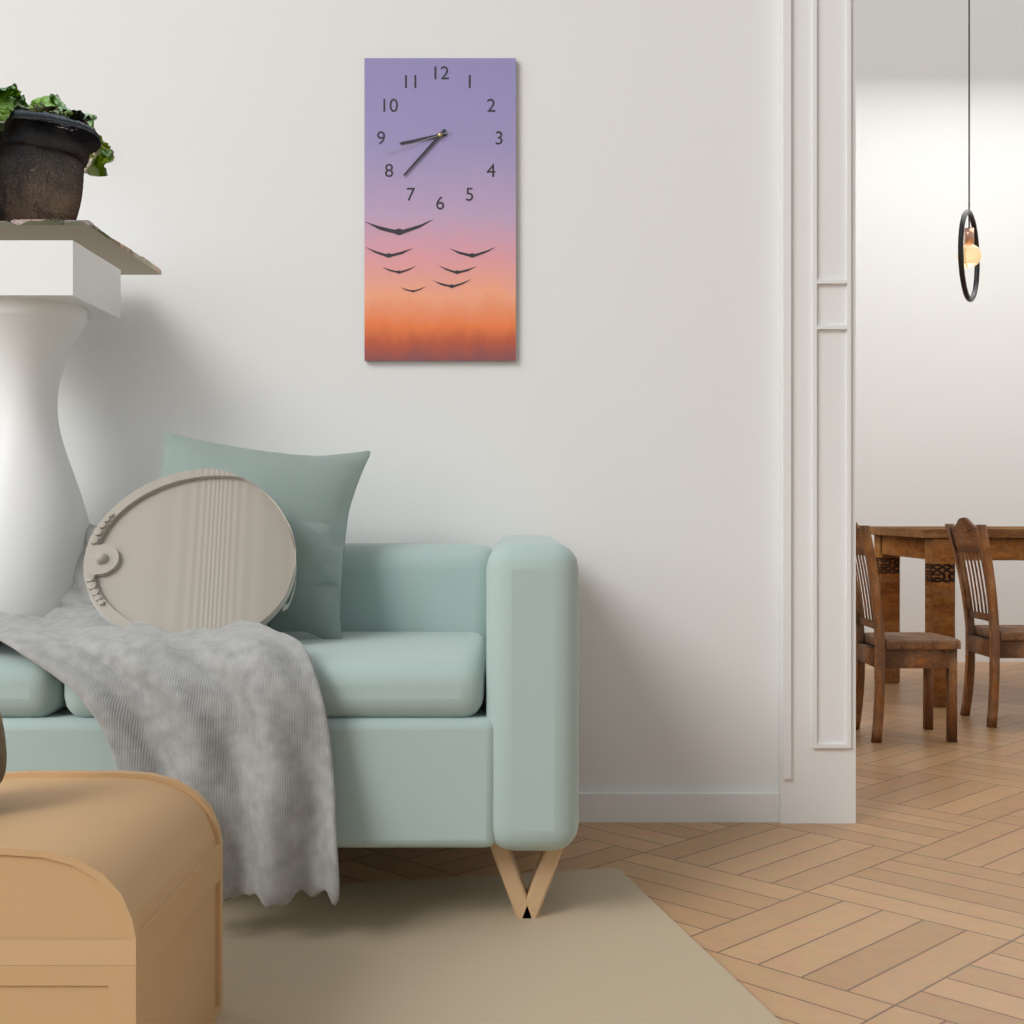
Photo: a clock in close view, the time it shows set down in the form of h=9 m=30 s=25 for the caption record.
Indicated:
h=8 m=37 s=42
